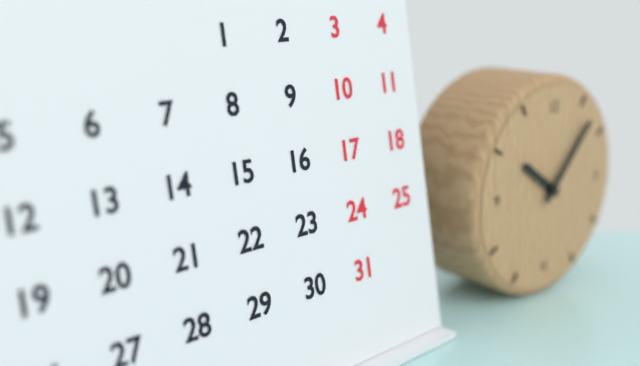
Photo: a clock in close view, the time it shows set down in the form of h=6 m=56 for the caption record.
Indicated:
h=10 m=7
